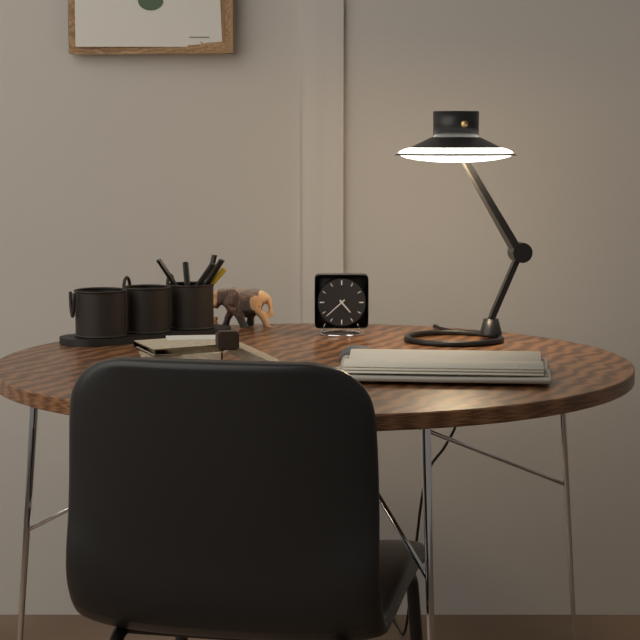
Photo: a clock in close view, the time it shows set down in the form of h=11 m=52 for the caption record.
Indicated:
h=4 m=38
